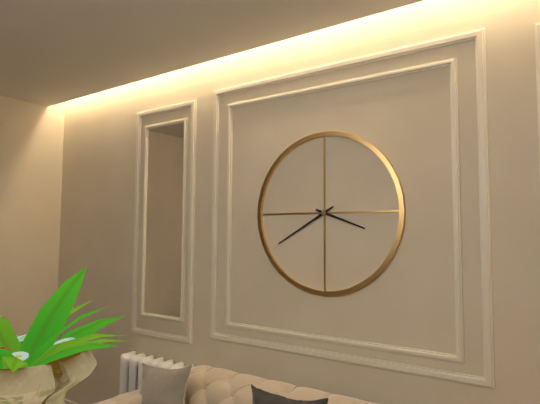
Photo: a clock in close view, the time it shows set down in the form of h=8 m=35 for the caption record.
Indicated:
h=3 m=40
